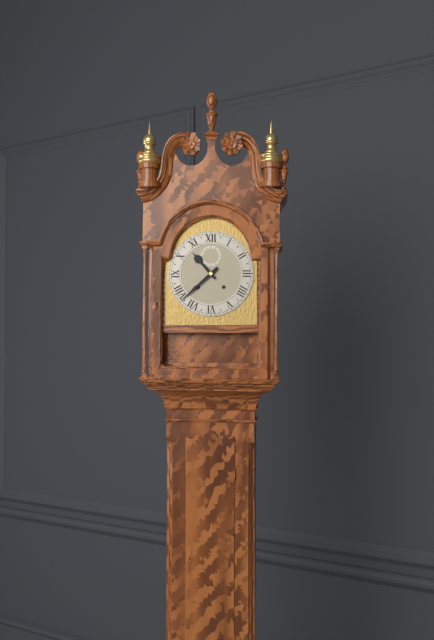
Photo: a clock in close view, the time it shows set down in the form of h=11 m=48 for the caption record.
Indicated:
h=10 m=38
